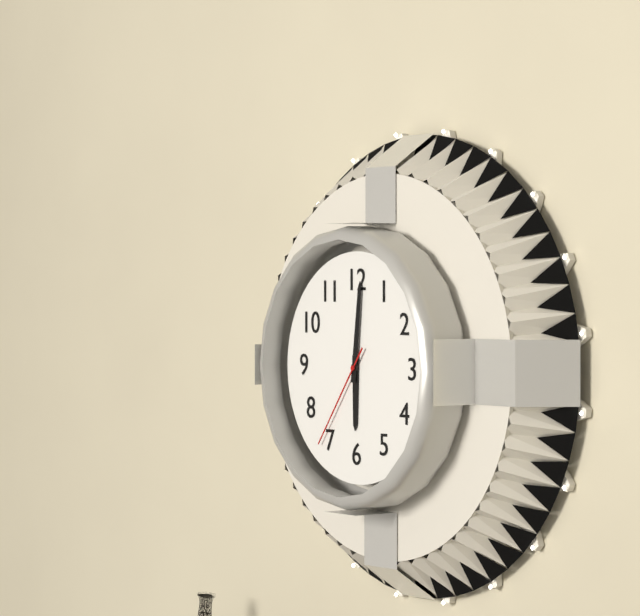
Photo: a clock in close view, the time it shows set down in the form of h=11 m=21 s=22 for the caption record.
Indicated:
h=6 m=1 s=36
